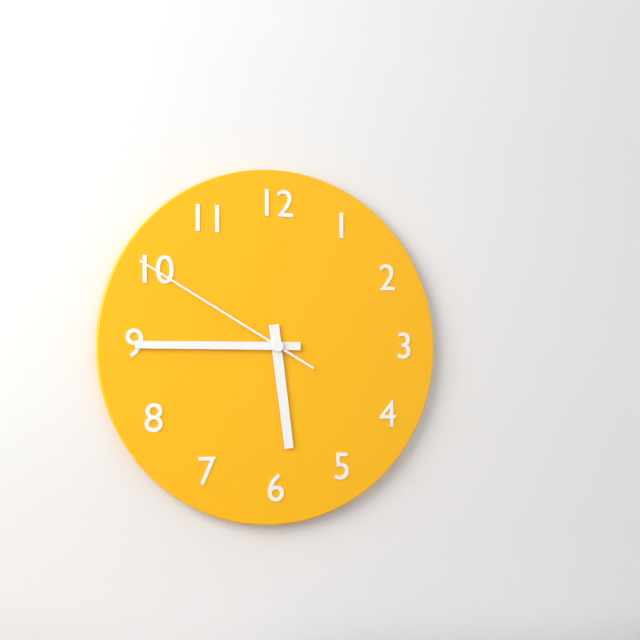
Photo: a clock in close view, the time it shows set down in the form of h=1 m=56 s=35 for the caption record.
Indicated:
h=5 m=45 s=50
